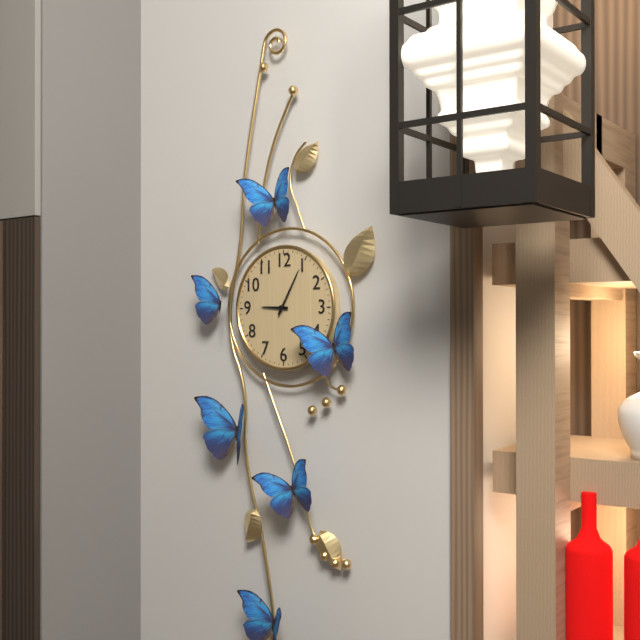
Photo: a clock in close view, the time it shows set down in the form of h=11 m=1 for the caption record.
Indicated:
h=9 m=5
